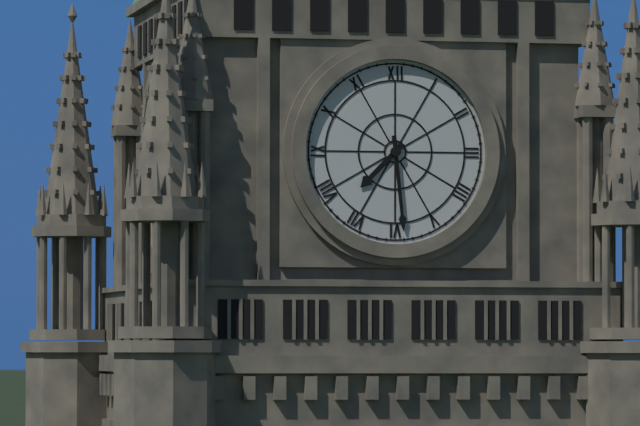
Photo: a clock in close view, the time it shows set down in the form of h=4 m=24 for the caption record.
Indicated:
h=7 m=29
